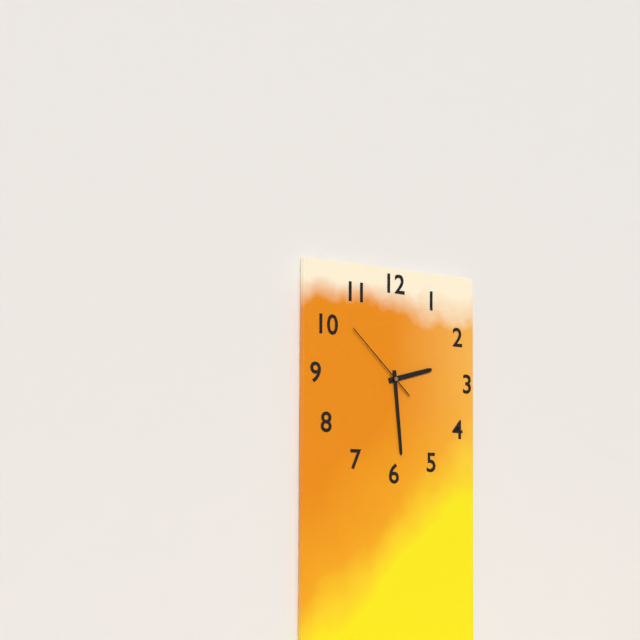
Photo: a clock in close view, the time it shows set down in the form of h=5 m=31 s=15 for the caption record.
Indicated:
h=2 m=29 s=52
